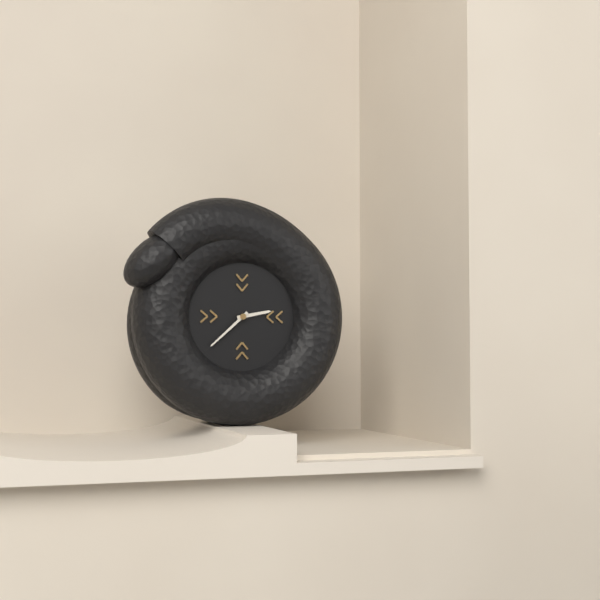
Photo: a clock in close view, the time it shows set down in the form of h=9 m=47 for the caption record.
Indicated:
h=2 m=38
